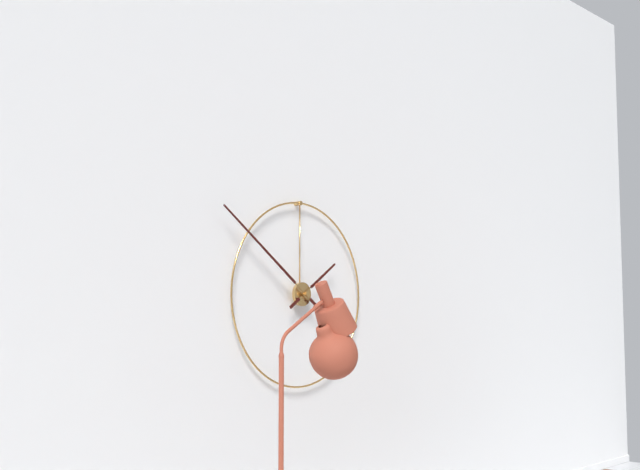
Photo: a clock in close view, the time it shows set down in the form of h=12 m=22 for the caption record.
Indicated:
h=1 m=51
